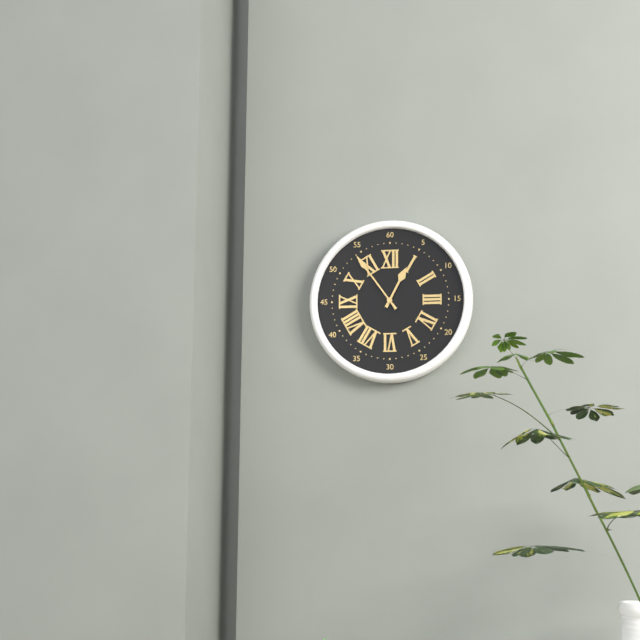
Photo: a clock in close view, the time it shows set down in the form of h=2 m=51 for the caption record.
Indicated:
h=12 m=54
